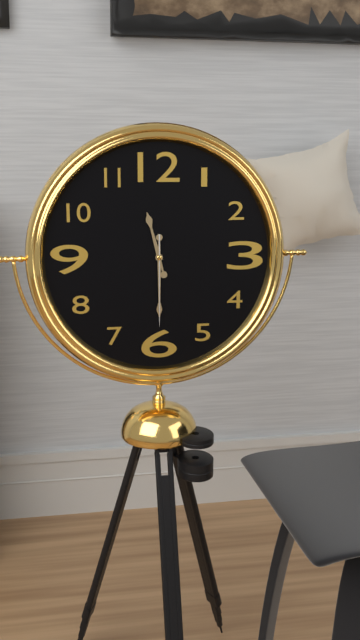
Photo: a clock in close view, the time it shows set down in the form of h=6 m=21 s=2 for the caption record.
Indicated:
h=11 m=30 s=30
